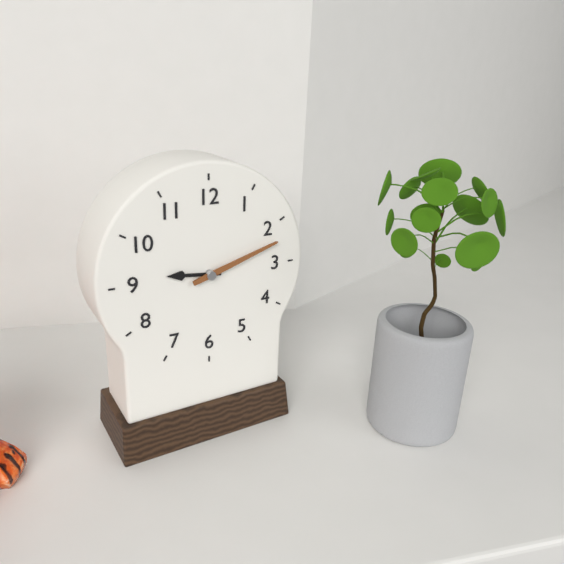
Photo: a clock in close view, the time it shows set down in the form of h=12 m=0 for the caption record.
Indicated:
h=9 m=12
